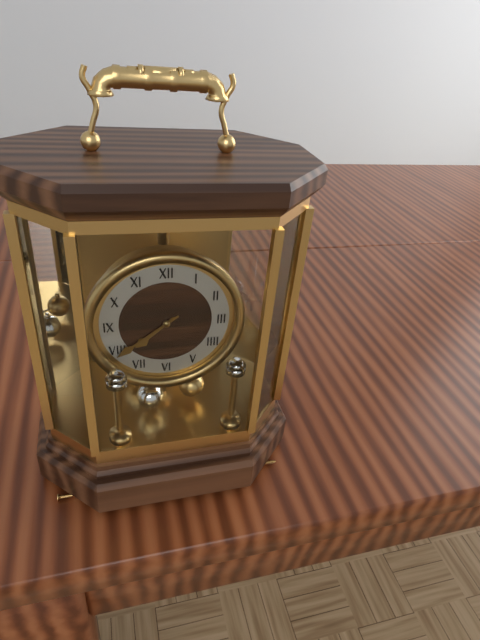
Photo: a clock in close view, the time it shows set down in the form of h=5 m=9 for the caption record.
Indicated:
h=7 m=39
